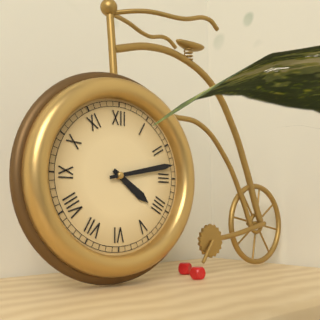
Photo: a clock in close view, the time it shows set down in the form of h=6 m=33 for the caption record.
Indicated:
h=4 m=13
